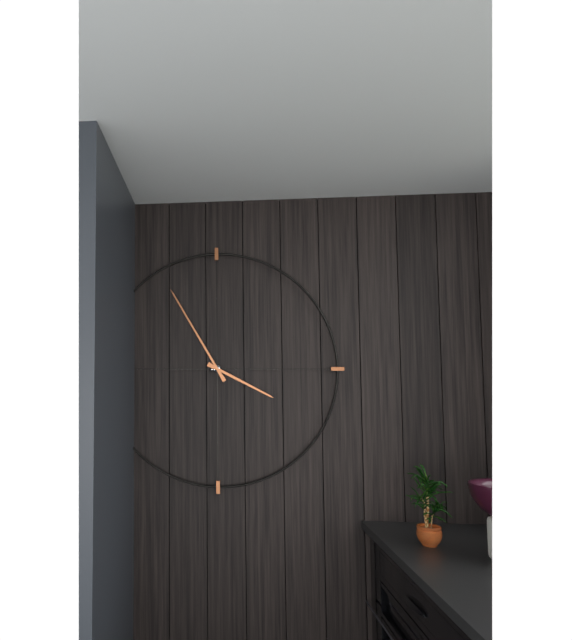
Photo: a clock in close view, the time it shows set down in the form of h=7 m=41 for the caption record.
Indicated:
h=3 m=55
